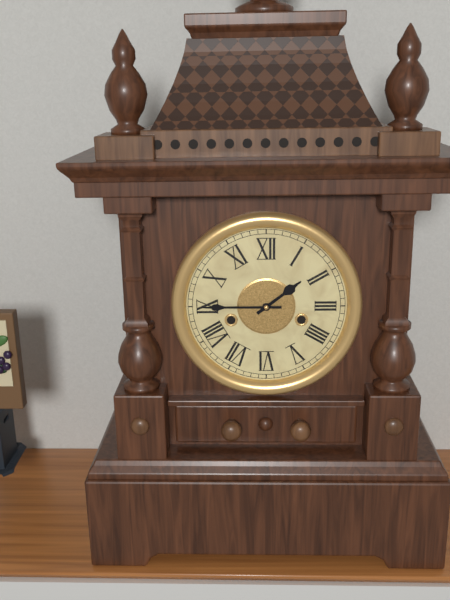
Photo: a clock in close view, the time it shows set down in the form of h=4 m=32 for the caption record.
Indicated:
h=1 m=45
